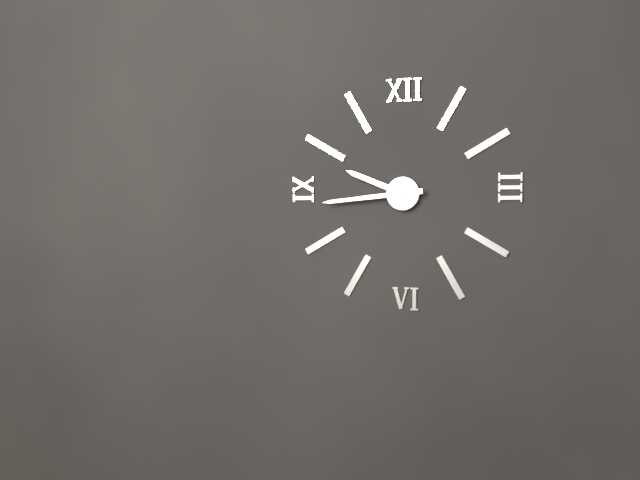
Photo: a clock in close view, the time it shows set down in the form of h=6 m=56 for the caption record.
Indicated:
h=9 m=44
